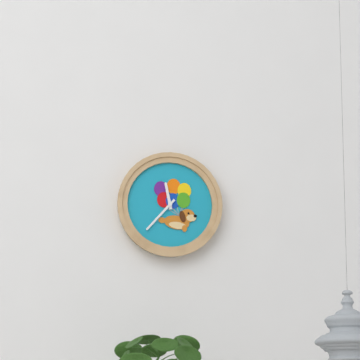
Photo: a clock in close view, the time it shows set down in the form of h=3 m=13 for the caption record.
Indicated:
h=11 m=37
